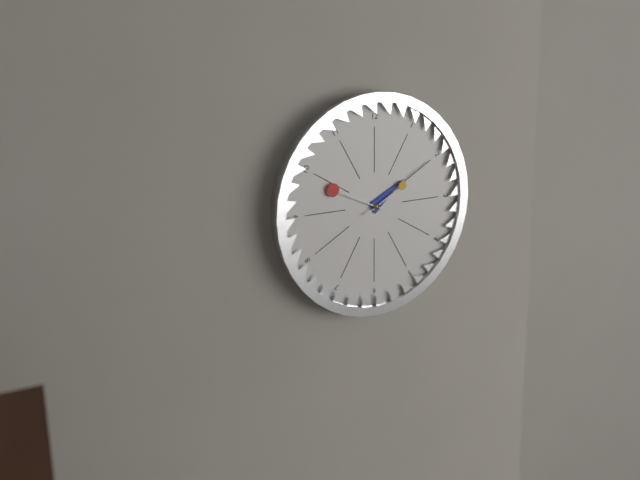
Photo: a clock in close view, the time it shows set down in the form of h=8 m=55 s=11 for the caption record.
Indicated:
h=1 m=49 s=10
